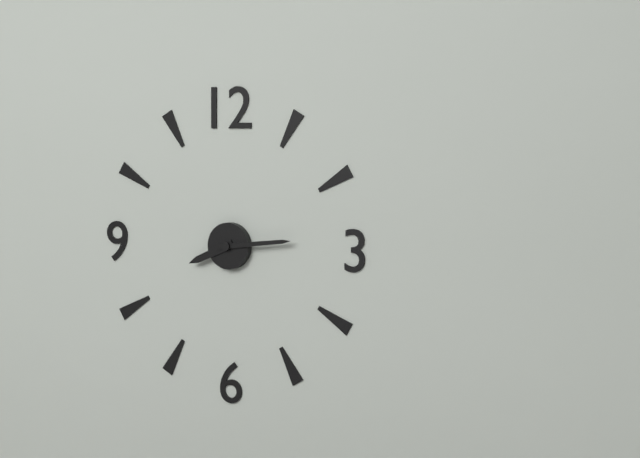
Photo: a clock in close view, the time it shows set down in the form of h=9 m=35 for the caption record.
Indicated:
h=8 m=14
